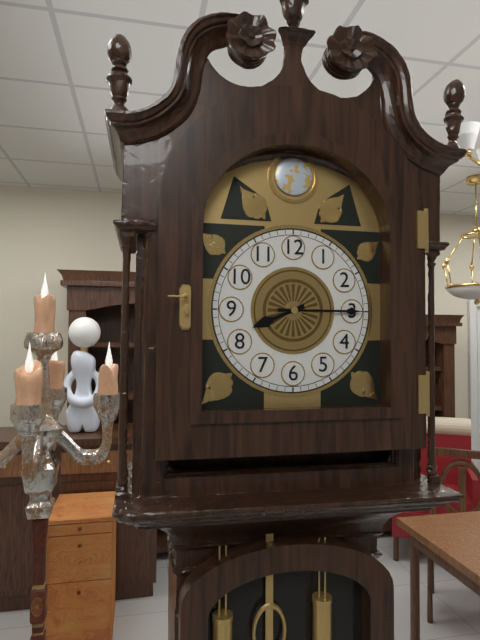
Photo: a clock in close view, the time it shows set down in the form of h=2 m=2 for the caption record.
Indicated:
h=8 m=15
